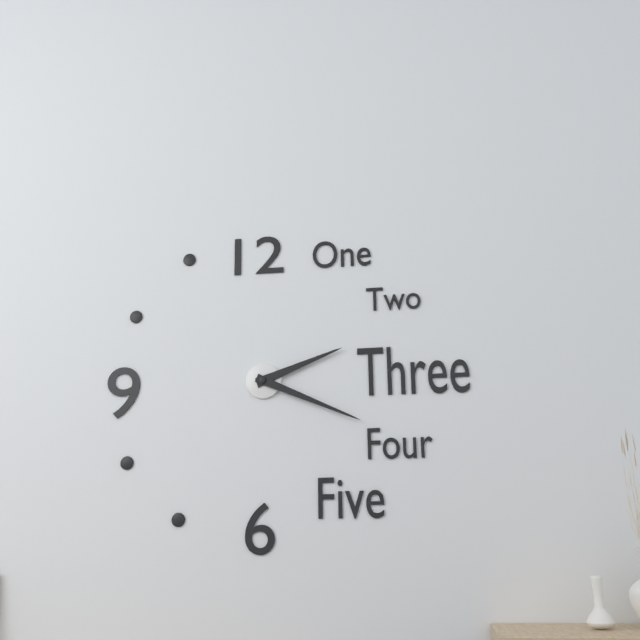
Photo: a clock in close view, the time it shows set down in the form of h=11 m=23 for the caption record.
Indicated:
h=2 m=19
